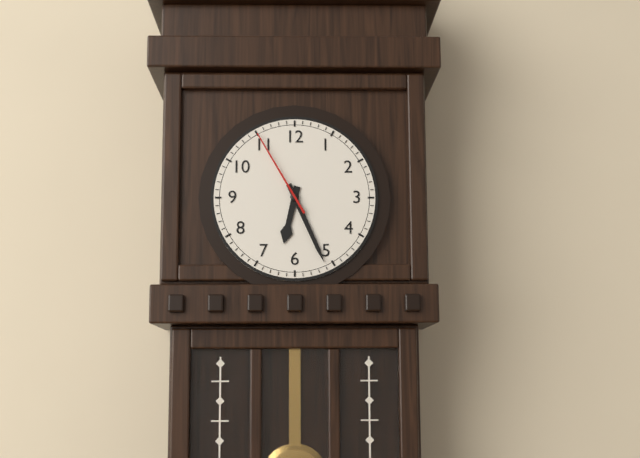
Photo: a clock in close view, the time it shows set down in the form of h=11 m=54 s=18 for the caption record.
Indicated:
h=6 m=26 s=55
